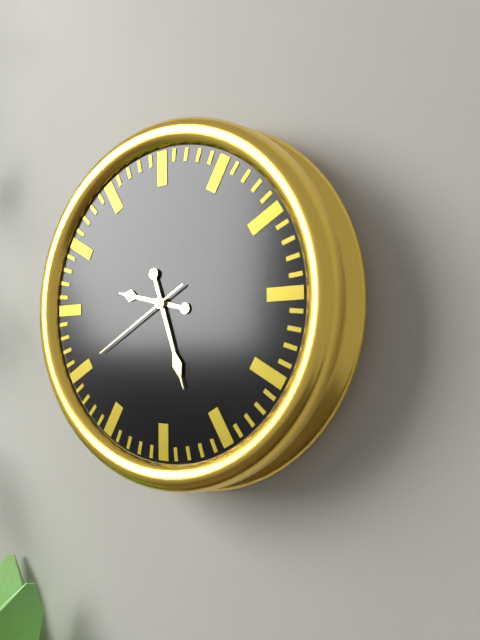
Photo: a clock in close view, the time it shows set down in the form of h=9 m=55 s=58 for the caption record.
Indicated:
h=9 m=27 s=40
